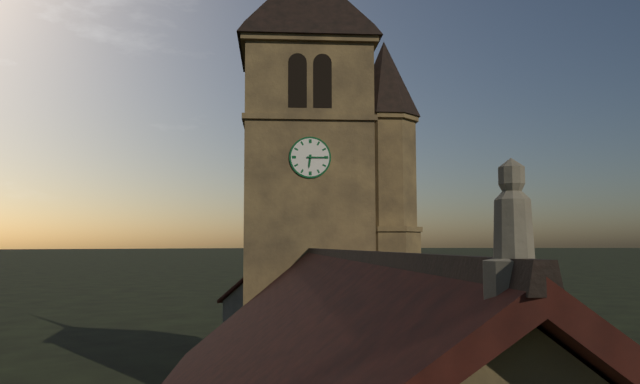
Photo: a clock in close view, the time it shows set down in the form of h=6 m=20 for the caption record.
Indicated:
h=6 m=15
